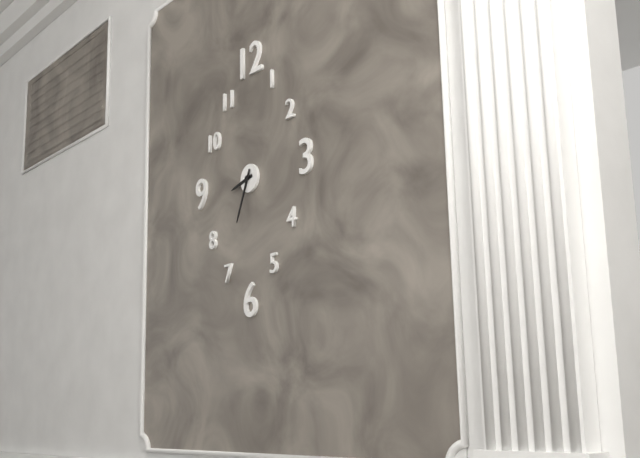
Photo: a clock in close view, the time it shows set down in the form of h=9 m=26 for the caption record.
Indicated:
h=8 m=34
